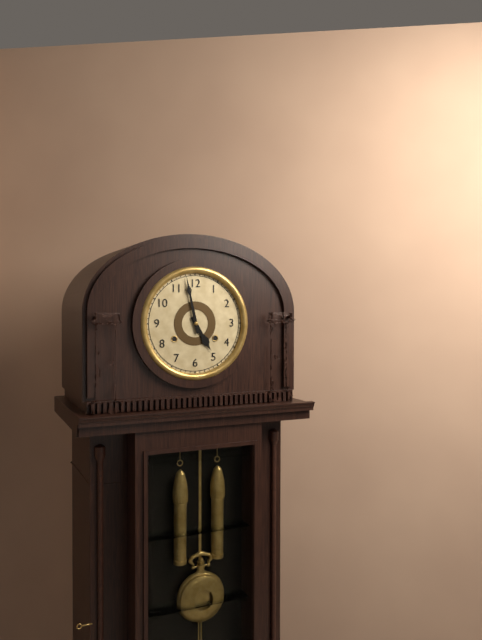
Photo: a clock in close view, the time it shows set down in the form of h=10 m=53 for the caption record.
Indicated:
h=4 m=58
